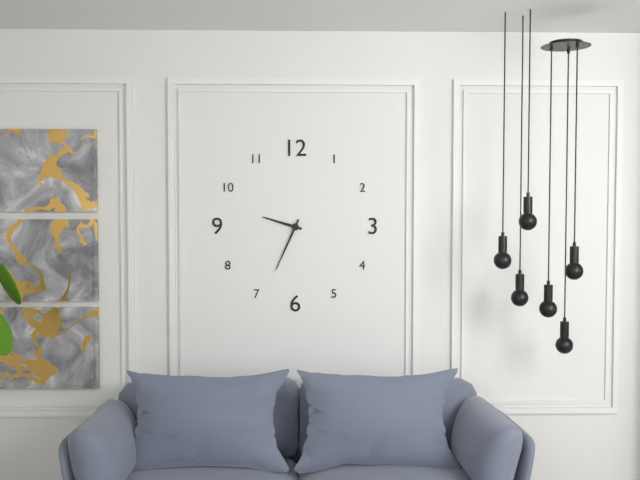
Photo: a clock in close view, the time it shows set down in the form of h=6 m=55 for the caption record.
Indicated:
h=9 m=34
